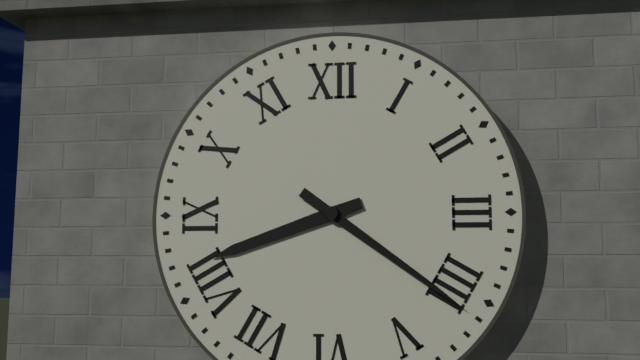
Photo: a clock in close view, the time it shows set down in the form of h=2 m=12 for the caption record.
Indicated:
h=8 m=21
